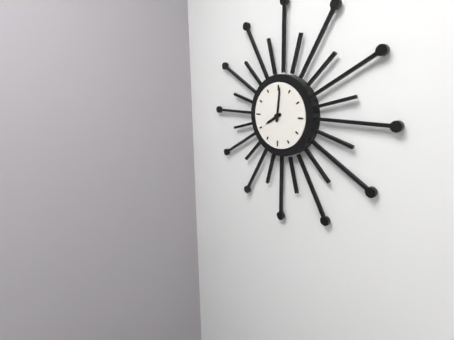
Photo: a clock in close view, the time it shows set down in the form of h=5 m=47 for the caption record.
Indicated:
h=8 m=1
